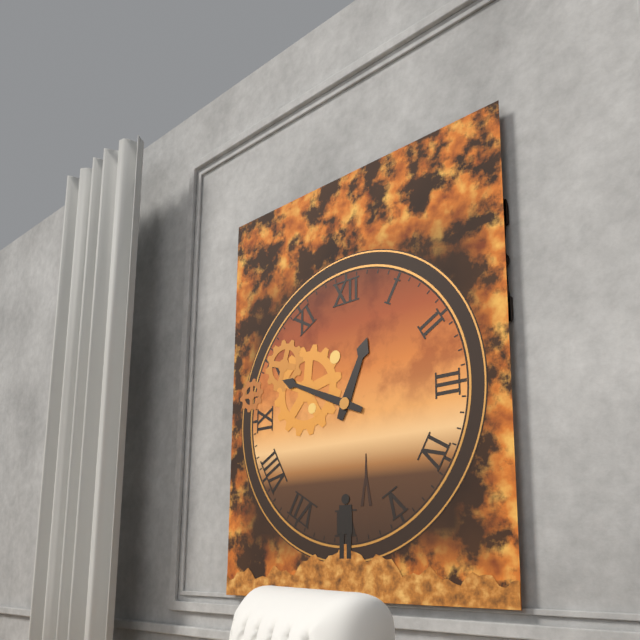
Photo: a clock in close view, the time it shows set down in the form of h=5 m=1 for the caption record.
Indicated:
h=12 m=49
